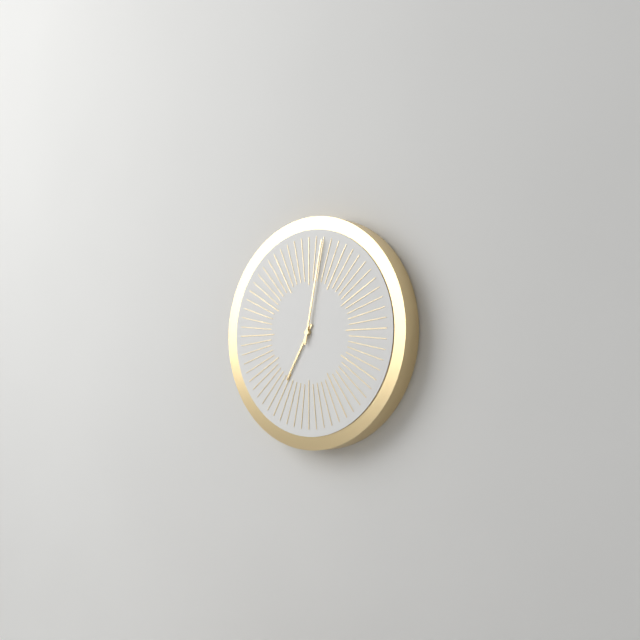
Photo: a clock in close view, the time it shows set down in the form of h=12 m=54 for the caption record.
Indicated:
h=7 m=2
